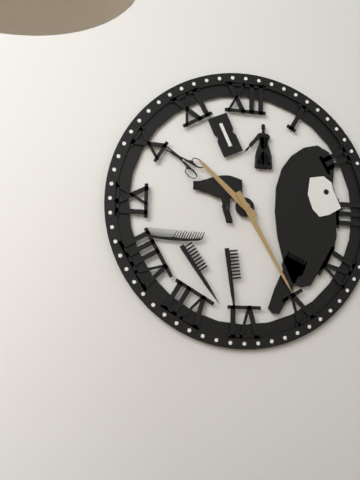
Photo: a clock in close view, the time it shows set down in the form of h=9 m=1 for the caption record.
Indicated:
h=10 m=25
